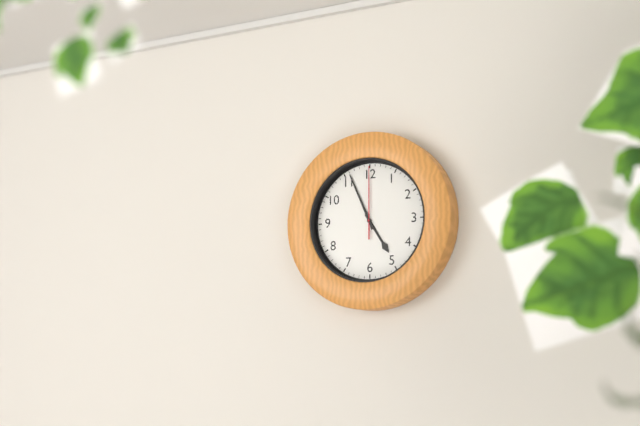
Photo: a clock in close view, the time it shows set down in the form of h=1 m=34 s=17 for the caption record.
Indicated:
h=4 m=56 s=0
